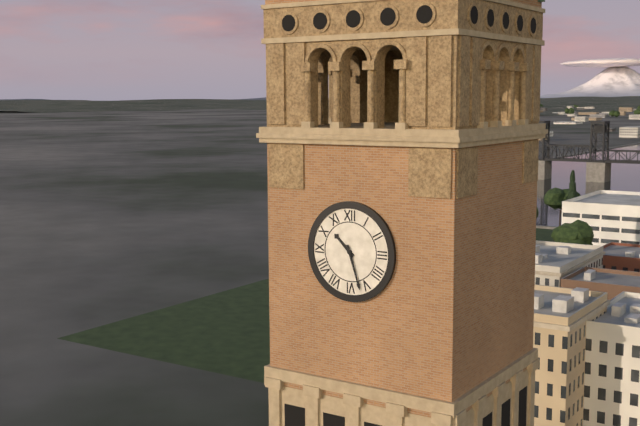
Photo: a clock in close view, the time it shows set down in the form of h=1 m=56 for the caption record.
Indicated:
h=10 m=27
